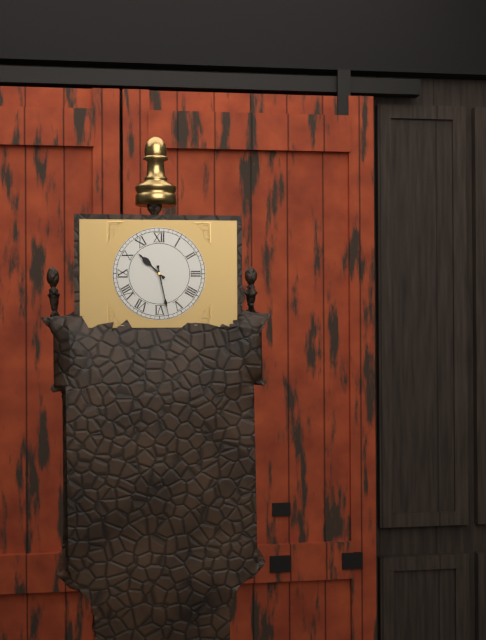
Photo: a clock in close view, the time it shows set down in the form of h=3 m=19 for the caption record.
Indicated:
h=10 m=28
